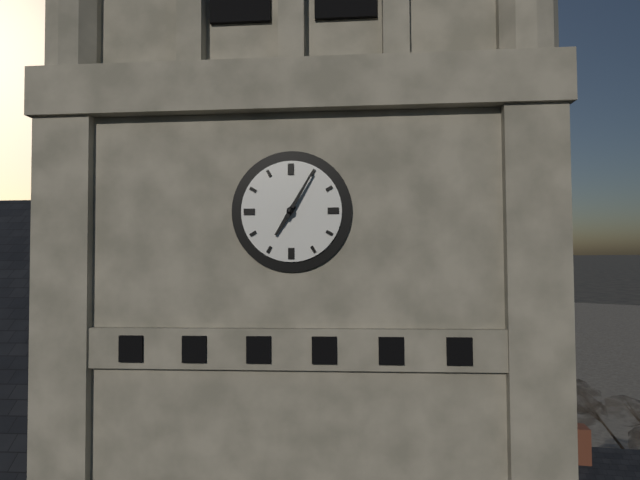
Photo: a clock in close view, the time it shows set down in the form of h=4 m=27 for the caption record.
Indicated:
h=7 m=5
